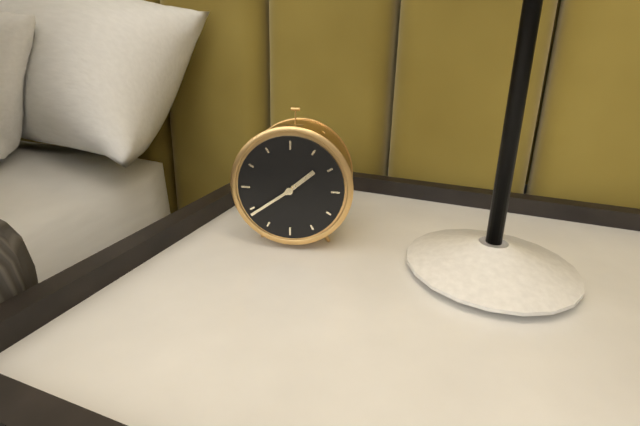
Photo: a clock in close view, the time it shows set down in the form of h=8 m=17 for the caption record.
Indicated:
h=1 m=39
